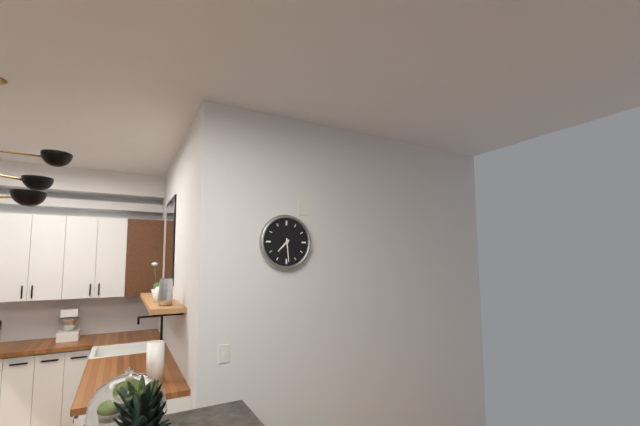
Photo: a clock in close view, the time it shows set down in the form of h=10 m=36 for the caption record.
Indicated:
h=7 m=29
